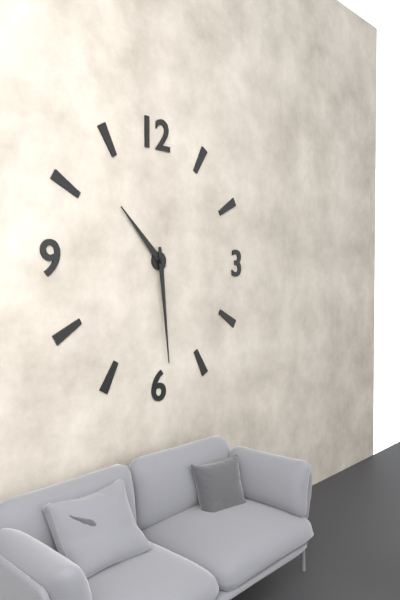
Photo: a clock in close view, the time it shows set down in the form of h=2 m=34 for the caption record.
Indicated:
h=10 m=29
